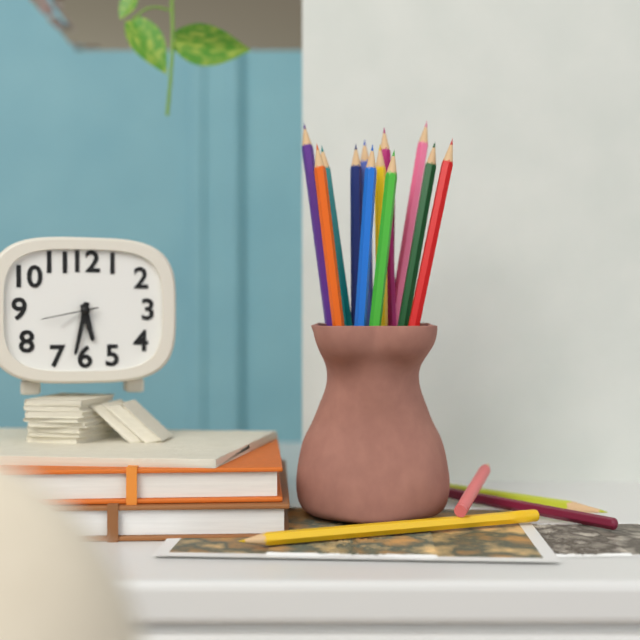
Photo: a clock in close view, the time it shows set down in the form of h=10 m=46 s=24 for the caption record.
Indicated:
h=5 m=32 s=43
